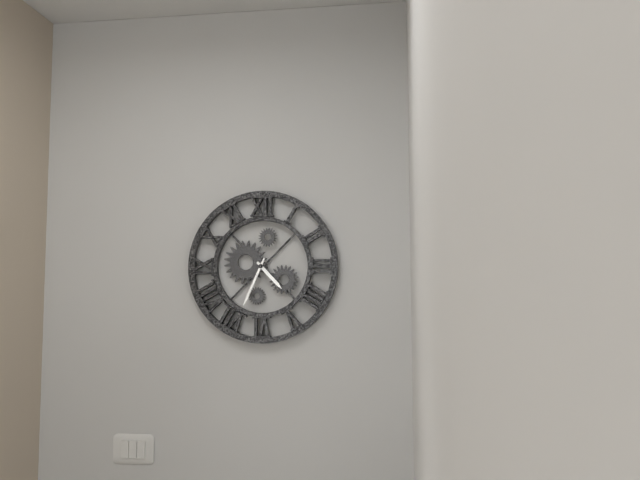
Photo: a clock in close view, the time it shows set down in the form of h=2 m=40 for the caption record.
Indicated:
h=4 m=34
